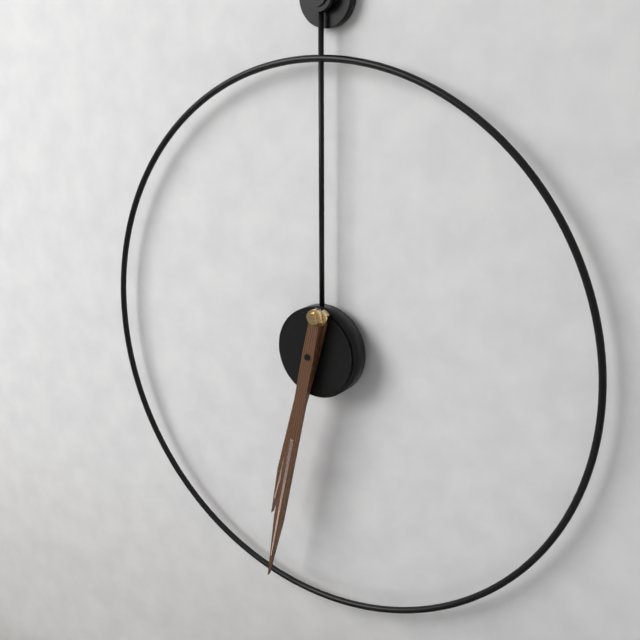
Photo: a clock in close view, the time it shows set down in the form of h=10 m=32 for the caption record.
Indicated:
h=6 m=32
